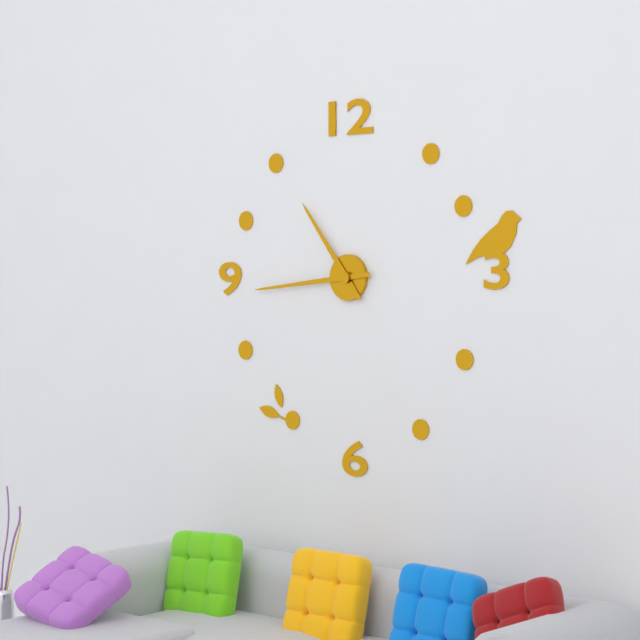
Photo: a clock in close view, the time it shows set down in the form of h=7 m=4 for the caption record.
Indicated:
h=10 m=44
